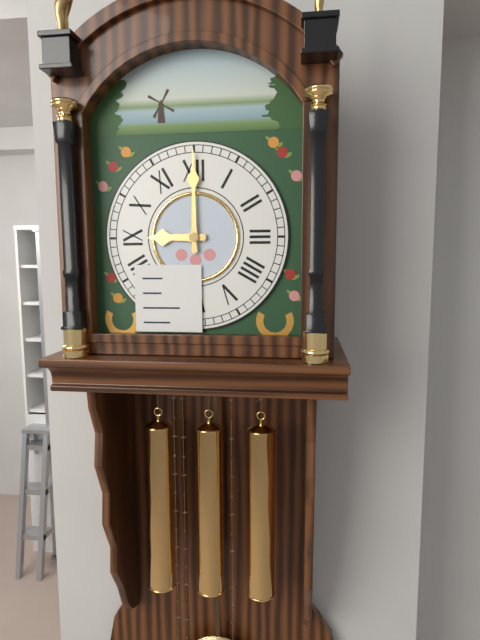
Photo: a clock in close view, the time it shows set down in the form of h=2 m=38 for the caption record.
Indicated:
h=9 m=0
